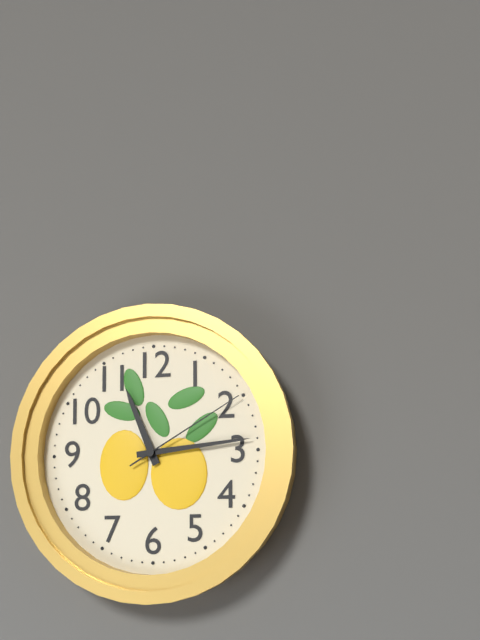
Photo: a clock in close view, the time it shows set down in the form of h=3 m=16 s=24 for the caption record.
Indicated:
h=11 m=14 s=10
